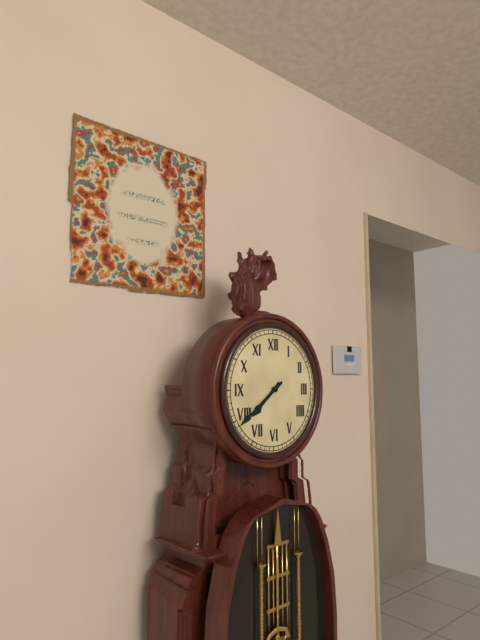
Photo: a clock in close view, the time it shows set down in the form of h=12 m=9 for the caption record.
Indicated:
h=7 m=39
